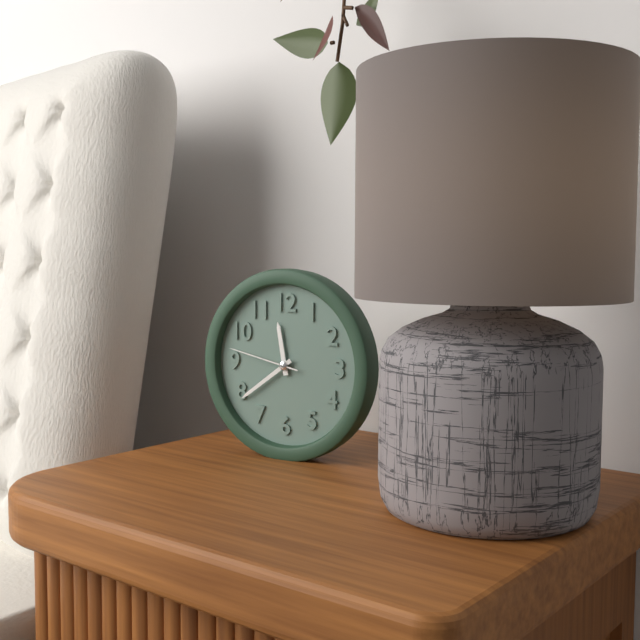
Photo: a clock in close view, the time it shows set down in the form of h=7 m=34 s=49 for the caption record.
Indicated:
h=11 m=39 s=47
